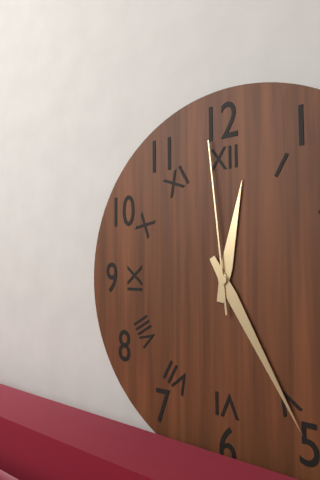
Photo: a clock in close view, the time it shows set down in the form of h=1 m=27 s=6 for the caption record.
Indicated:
h=12 m=25 s=59
